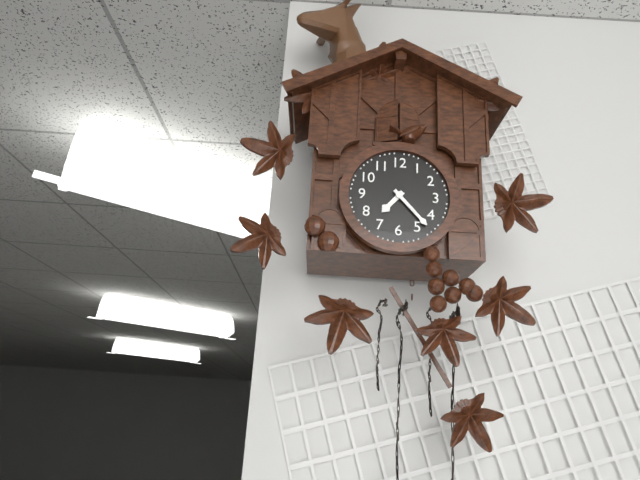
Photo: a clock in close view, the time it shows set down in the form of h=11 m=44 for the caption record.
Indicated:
h=7 m=23
